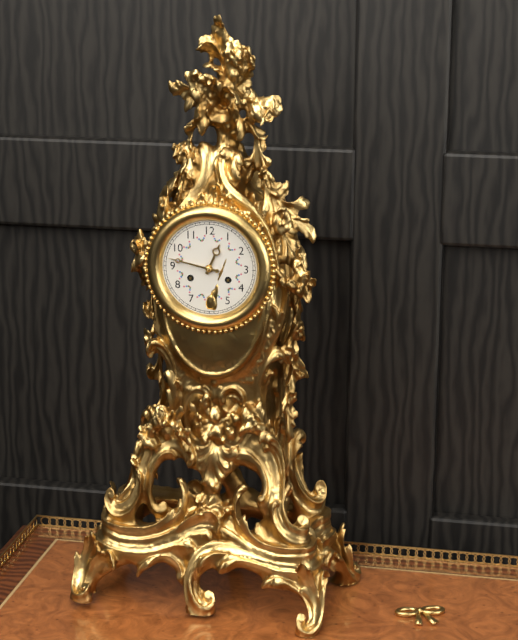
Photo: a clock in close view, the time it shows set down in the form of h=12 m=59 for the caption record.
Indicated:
h=12 m=47
